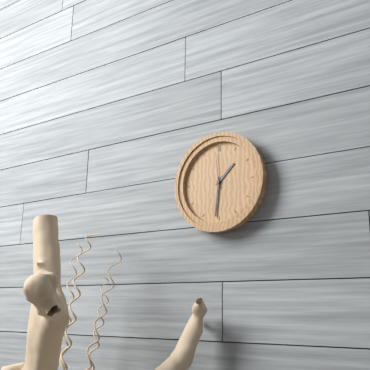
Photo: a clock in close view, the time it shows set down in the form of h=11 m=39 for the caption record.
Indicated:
h=1 m=31
